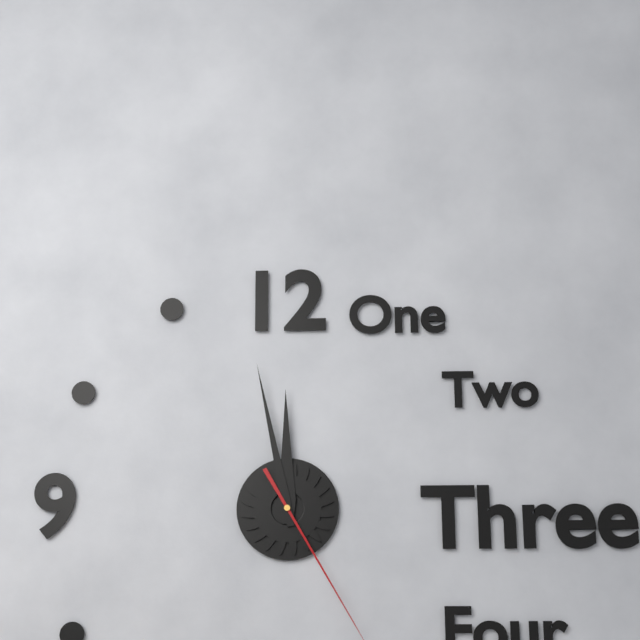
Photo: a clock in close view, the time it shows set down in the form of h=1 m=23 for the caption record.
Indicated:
h=11 m=58
